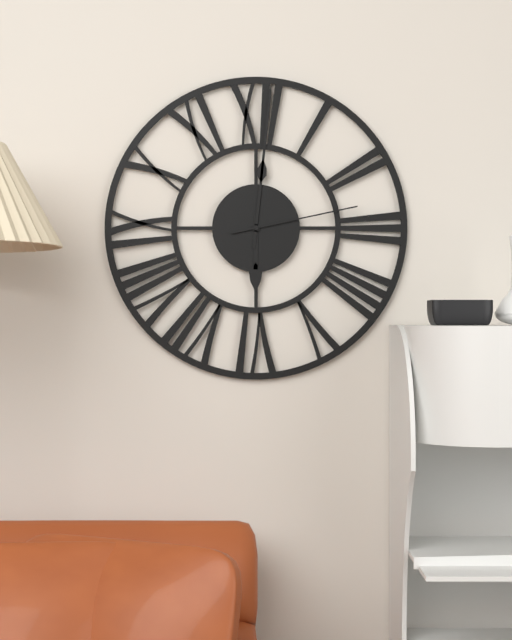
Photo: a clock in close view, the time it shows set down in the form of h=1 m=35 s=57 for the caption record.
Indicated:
h=6 m=1 s=13
